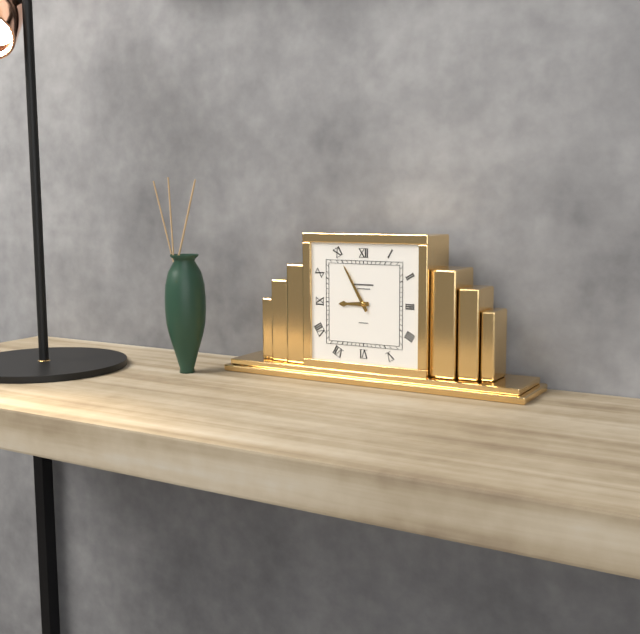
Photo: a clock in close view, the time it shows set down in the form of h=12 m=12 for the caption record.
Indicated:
h=8 m=55
